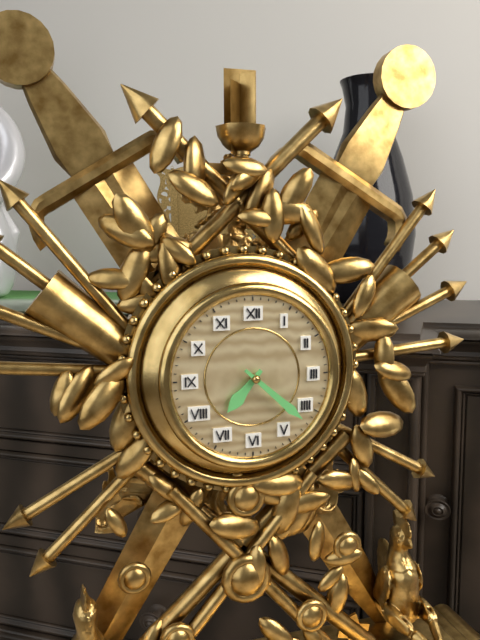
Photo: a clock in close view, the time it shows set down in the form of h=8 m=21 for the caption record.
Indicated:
h=7 m=22
